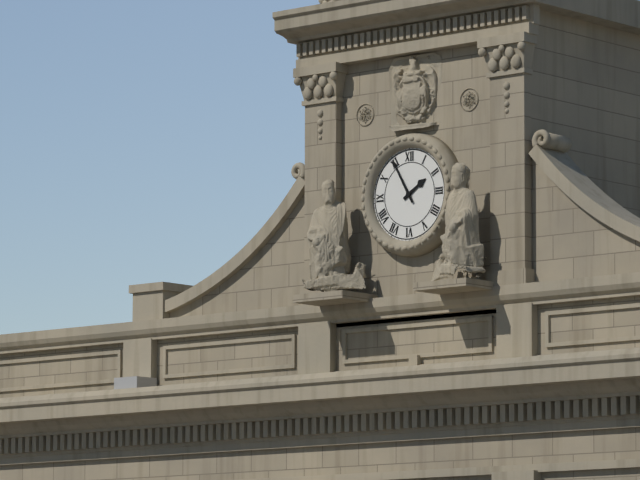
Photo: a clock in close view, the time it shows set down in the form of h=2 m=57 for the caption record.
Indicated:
h=1 m=55
